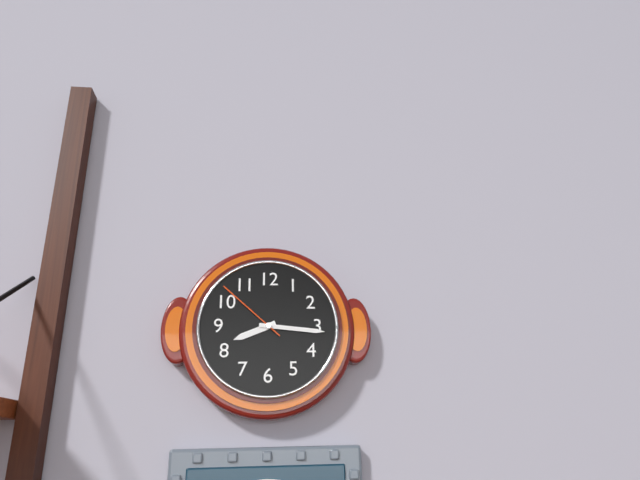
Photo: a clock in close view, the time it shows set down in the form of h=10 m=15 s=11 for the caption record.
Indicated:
h=8 m=16 s=52
